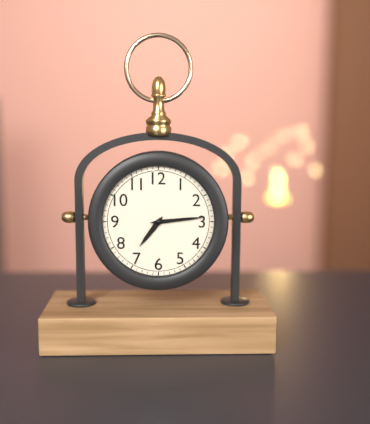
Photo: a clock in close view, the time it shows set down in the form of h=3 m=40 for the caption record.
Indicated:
h=7 m=14
